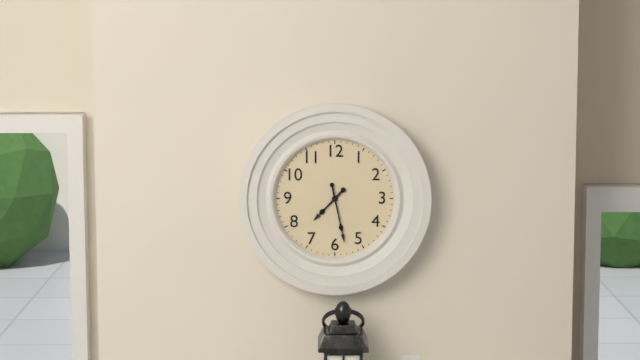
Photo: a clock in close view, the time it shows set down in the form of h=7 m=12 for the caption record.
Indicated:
h=7 m=28
